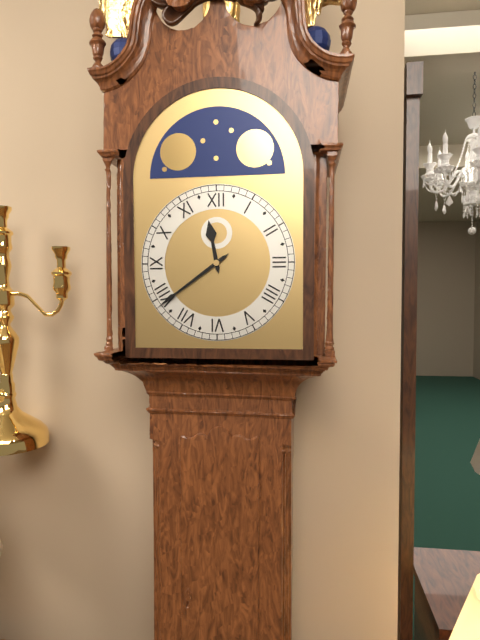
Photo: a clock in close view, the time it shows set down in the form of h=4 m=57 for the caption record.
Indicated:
h=11 m=39
